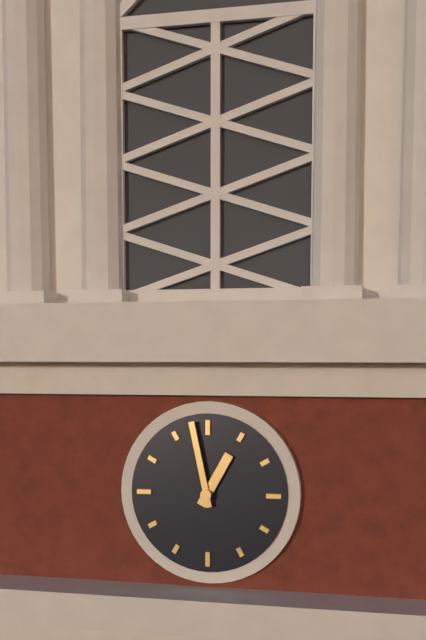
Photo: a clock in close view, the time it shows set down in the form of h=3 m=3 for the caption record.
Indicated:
h=12 m=58
